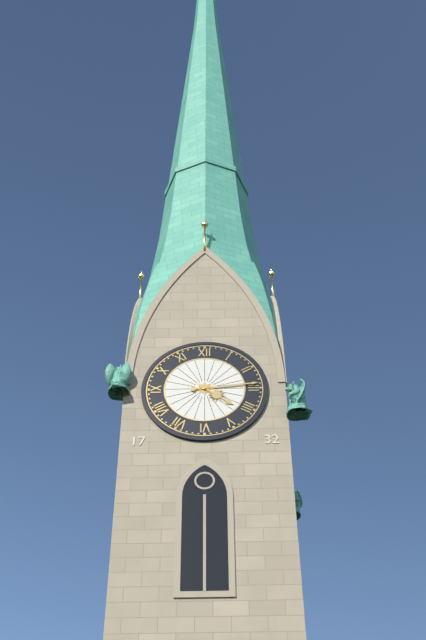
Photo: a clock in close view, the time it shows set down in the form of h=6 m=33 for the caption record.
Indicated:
h=4 m=14
